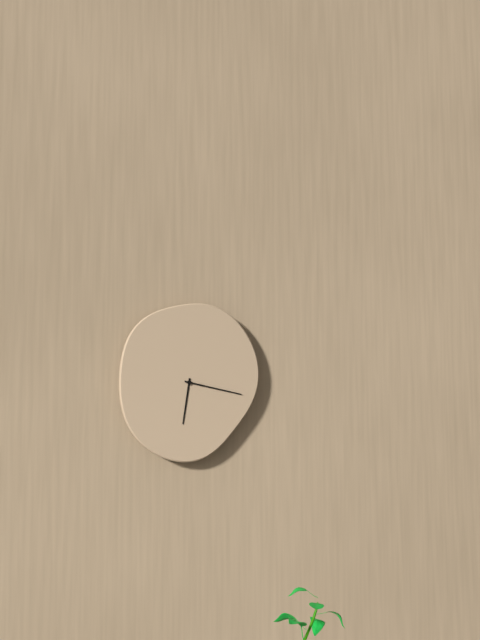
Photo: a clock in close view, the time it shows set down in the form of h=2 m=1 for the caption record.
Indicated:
h=6 m=17
